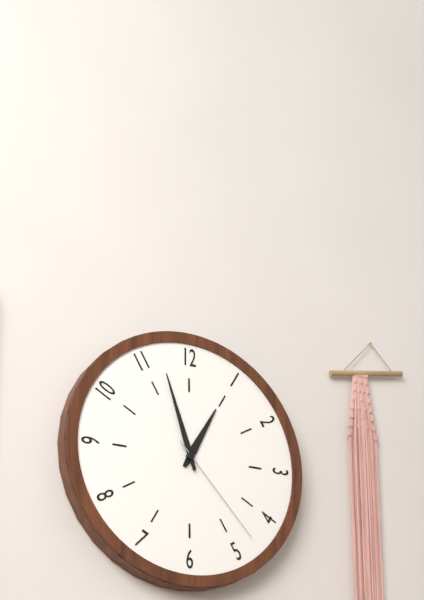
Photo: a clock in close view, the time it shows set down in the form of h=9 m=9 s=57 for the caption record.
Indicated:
h=12 m=57 s=23
